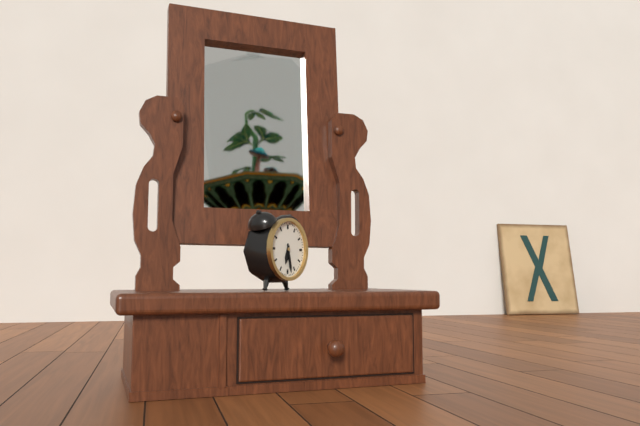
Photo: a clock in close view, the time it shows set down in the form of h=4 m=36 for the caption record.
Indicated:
h=6 m=28
